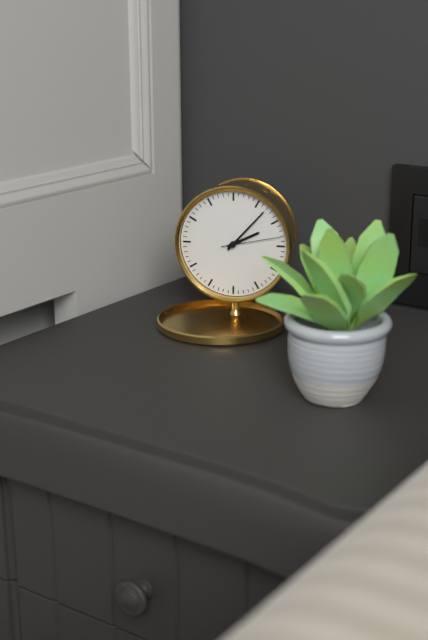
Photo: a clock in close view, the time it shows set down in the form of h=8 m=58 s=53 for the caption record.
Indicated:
h=2 m=7 s=13
